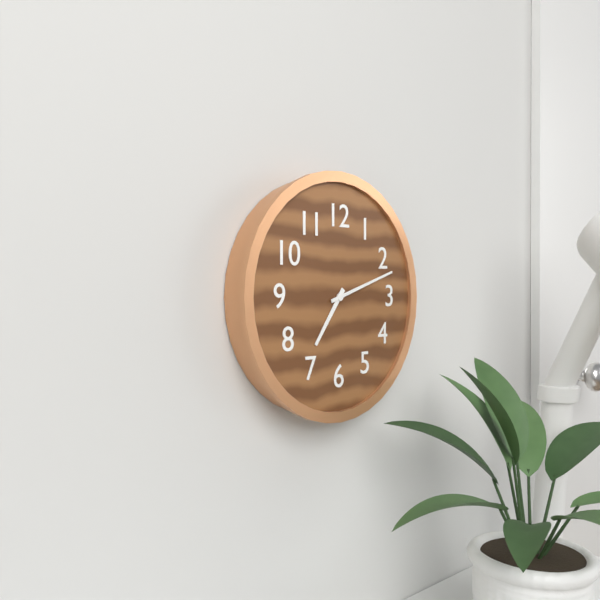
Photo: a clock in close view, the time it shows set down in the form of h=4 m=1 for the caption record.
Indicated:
h=7 m=12
